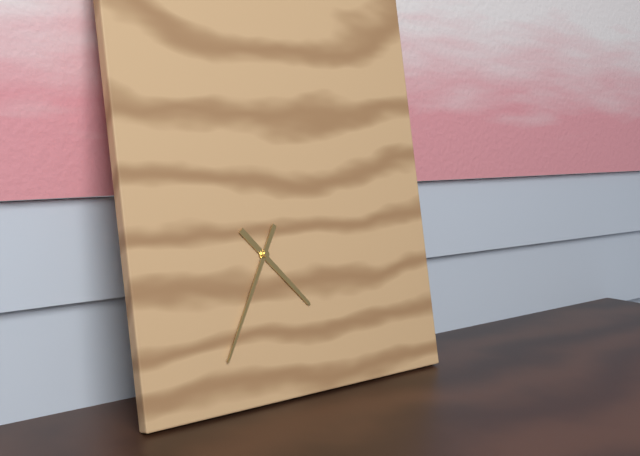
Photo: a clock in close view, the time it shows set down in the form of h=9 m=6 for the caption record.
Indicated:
h=4 m=35
